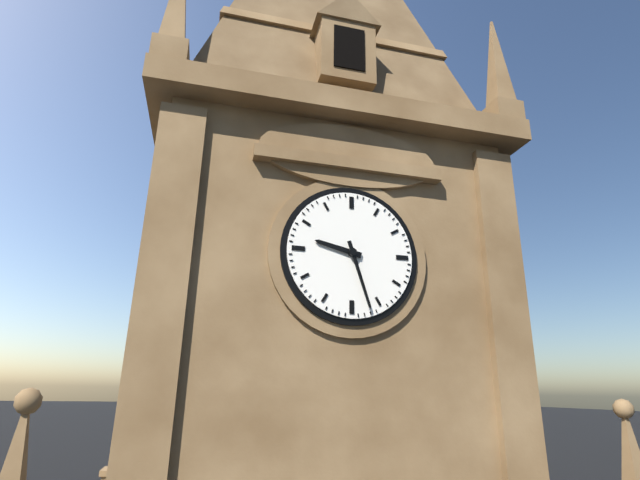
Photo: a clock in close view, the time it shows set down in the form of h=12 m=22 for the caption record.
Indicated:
h=9 m=27
